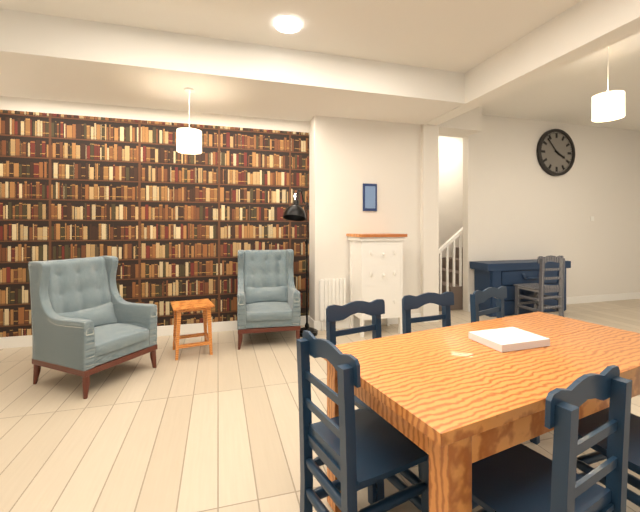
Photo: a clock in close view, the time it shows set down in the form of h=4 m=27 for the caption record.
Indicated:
h=3 m=53
